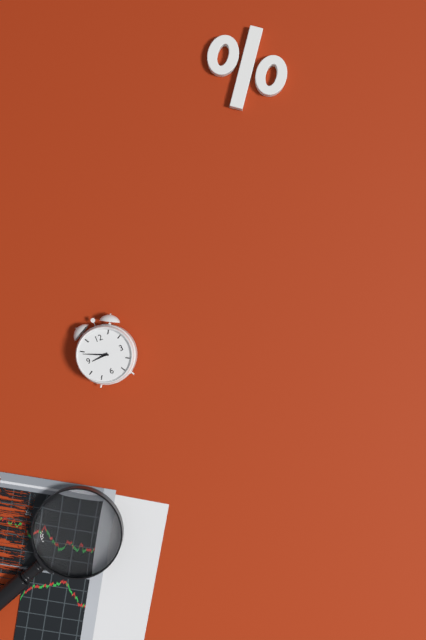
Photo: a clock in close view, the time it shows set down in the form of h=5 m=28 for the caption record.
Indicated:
h=8 m=49
